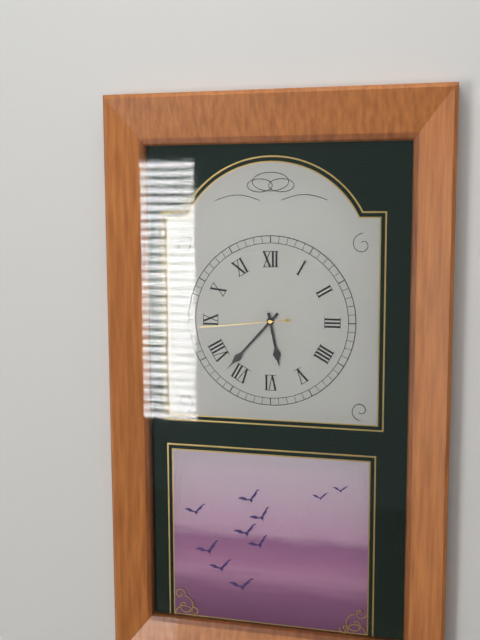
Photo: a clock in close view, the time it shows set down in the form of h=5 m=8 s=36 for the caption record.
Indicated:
h=5 m=37 s=44
